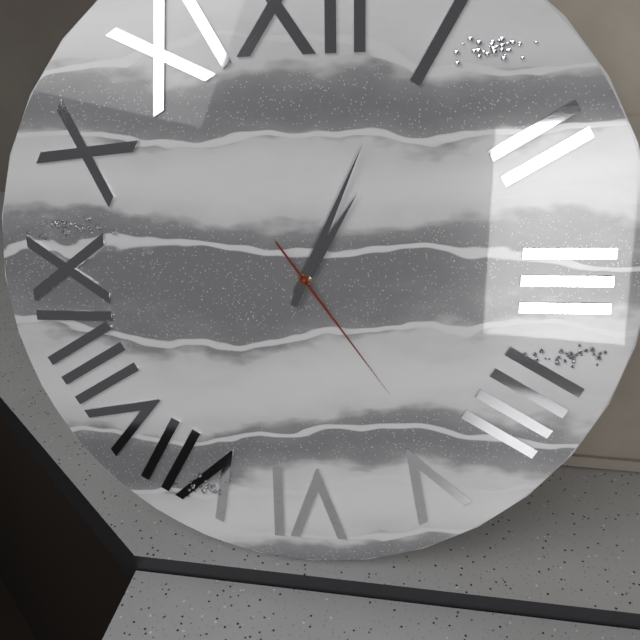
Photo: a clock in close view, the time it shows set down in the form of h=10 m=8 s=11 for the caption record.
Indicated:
h=1 m=4 s=24
